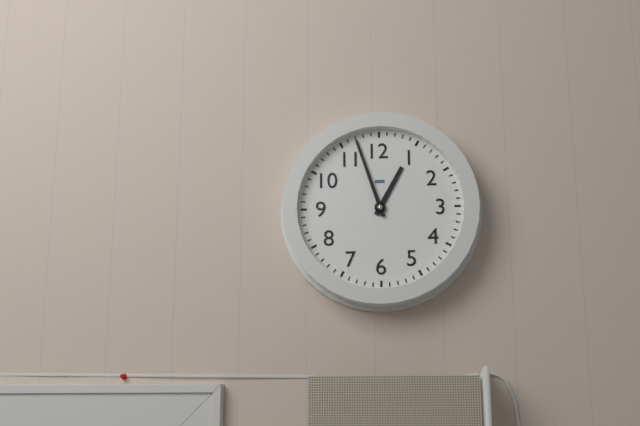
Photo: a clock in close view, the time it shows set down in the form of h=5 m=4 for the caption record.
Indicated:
h=12 m=57
